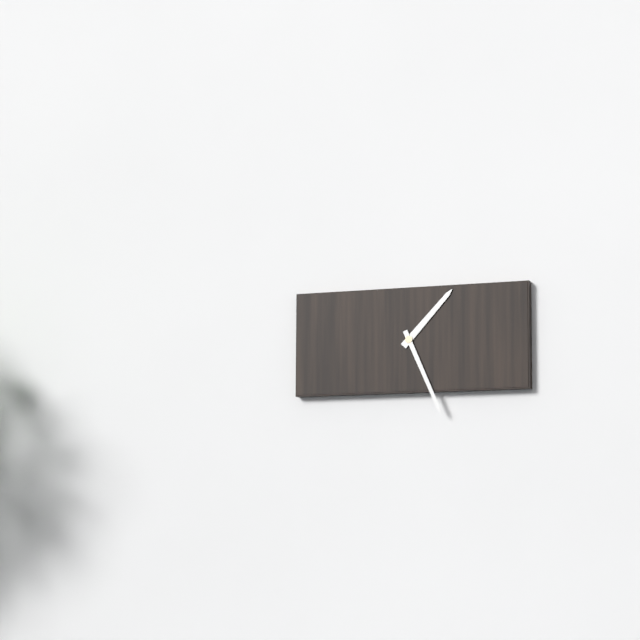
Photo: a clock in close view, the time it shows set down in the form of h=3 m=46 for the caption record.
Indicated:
h=1 m=26
